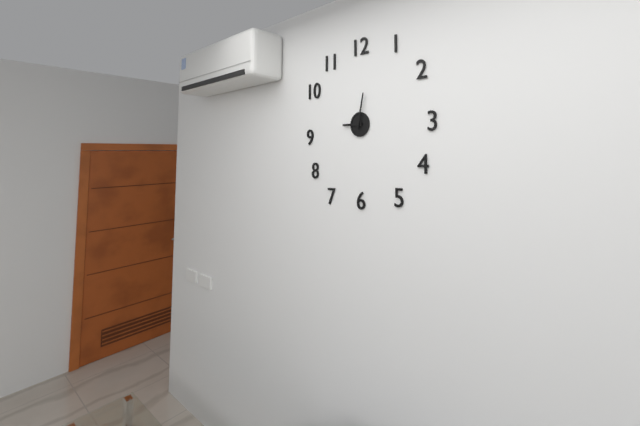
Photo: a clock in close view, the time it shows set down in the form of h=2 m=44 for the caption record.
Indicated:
h=9 m=2
